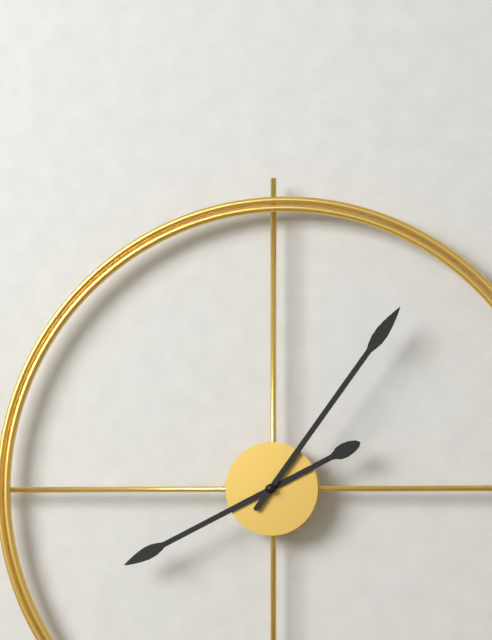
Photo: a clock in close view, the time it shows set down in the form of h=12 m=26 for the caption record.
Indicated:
h=8 m=6
